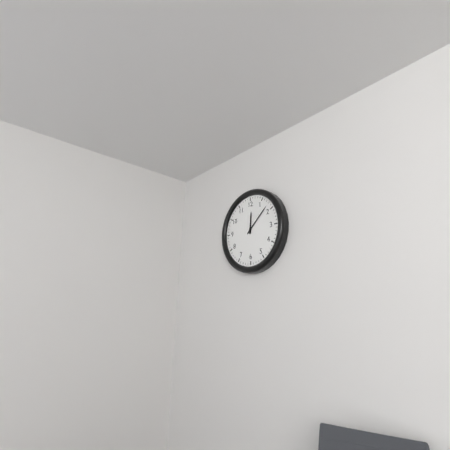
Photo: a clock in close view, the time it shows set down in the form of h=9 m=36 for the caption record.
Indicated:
h=12 m=8
